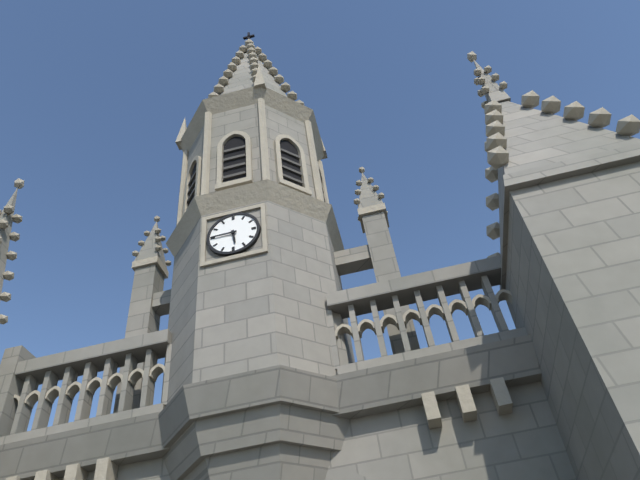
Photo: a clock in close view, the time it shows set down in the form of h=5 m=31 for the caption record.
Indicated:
h=5 m=45
